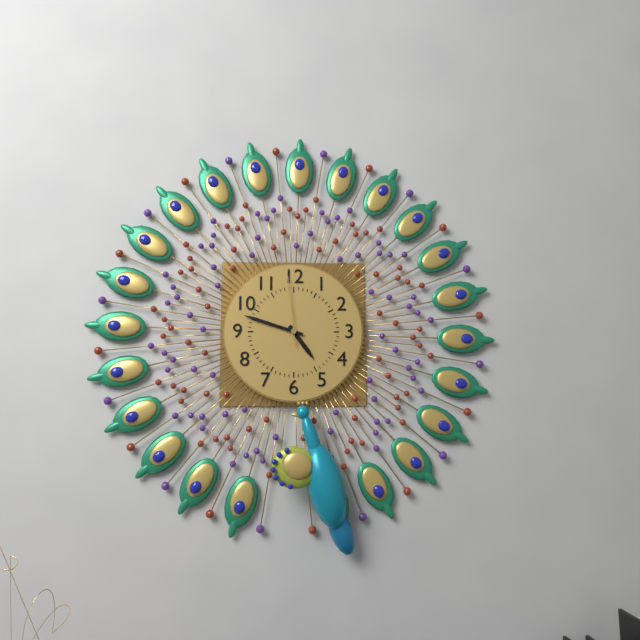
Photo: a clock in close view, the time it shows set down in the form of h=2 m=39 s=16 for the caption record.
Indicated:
h=4 m=48 s=59
